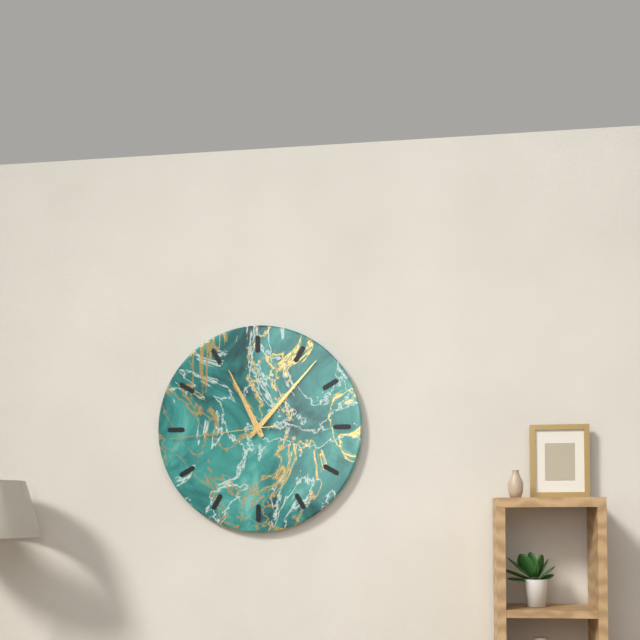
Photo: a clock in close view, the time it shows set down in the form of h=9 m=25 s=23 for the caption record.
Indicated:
h=11 m=7 s=44
